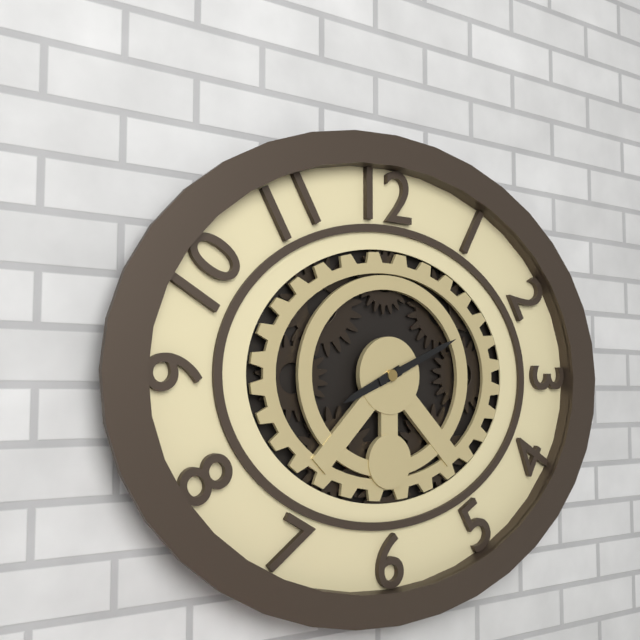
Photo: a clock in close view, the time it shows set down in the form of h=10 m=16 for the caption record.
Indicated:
h=8 m=11
